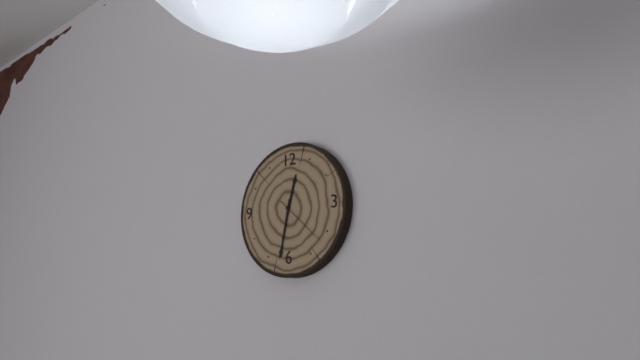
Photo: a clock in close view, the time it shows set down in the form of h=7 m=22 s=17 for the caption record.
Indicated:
h=12 m=32 s=22
